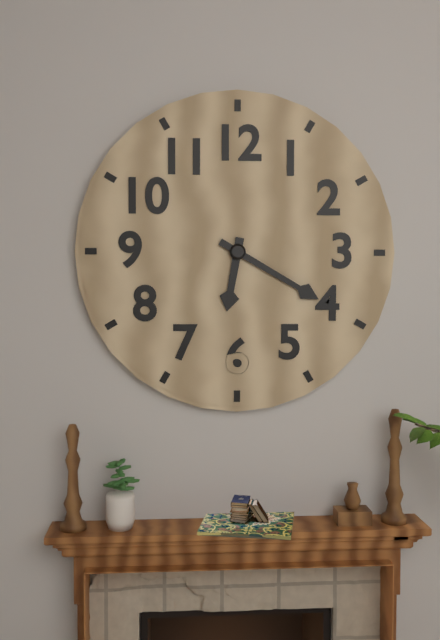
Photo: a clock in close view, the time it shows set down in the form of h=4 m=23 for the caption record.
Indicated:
h=6 m=20
